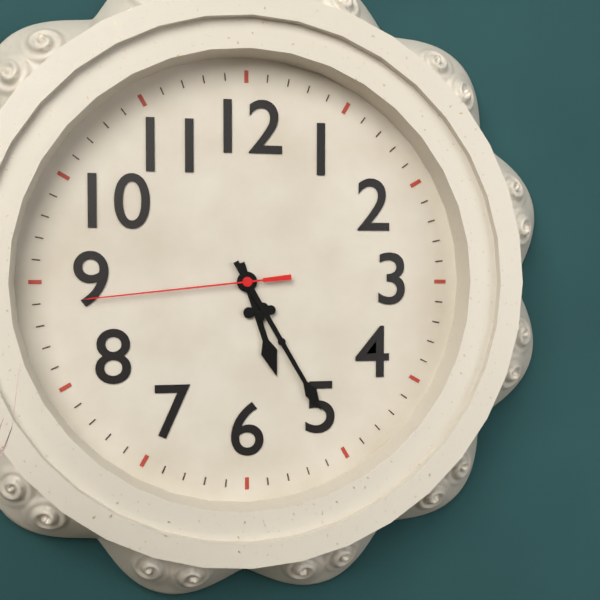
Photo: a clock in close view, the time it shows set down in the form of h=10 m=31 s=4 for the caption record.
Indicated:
h=5 m=25 s=44
